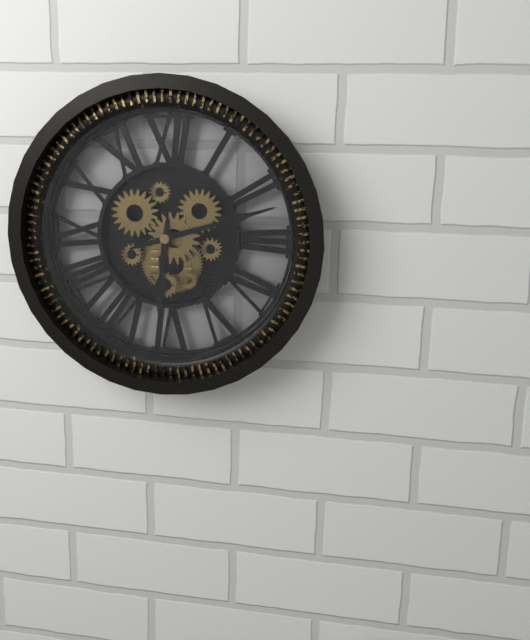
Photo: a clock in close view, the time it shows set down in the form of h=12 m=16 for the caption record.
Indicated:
h=6 m=12
